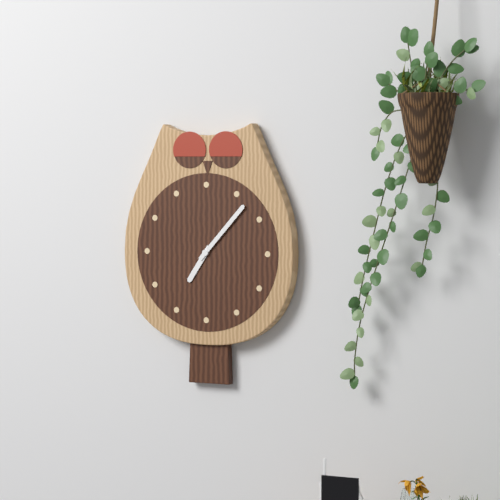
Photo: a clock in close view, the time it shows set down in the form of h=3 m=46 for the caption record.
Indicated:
h=7 m=7
